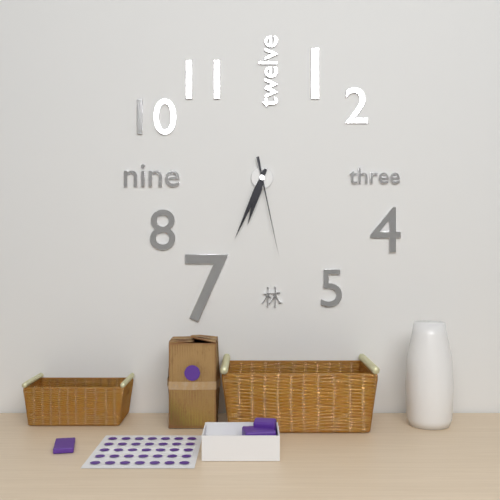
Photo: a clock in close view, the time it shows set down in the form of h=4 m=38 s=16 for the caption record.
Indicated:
h=6 m=34 s=28
